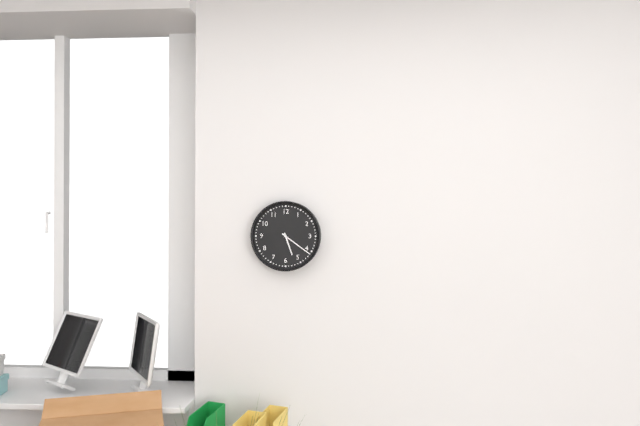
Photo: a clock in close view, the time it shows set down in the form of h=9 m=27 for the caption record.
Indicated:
h=5 m=21
